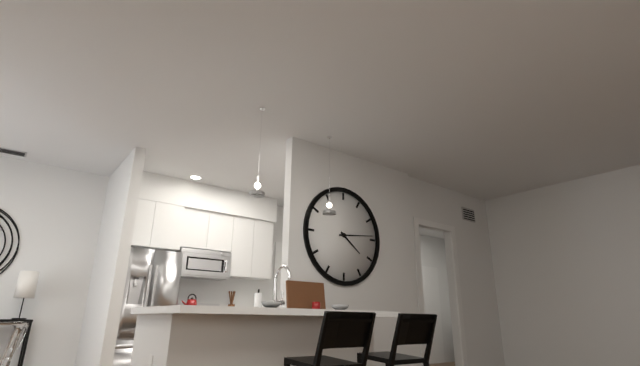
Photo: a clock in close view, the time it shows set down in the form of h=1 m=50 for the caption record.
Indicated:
h=4 m=14
